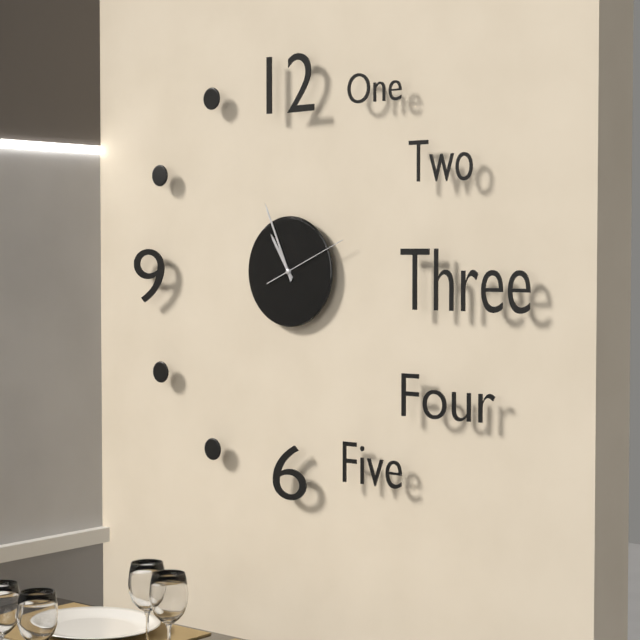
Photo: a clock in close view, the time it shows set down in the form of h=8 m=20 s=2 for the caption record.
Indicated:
h=10 m=56 s=11
